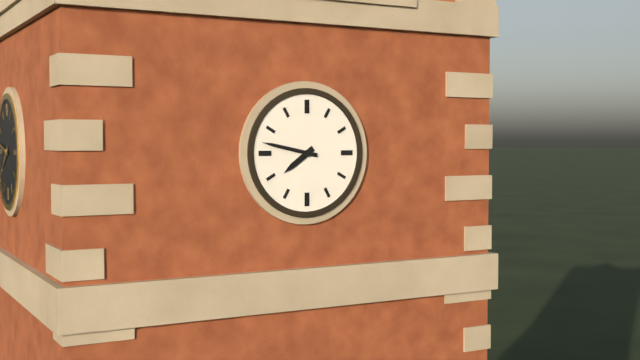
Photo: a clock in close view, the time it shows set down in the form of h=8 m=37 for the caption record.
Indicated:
h=7 m=47
